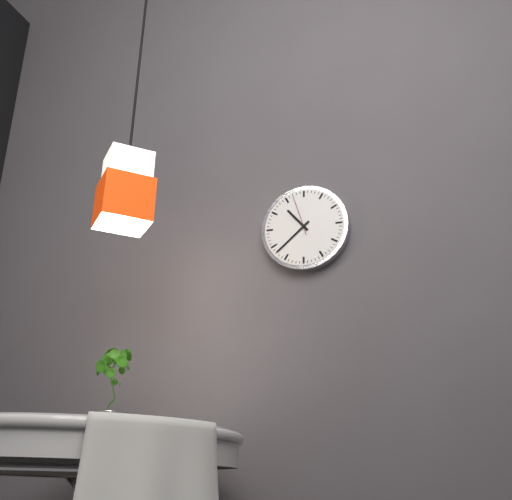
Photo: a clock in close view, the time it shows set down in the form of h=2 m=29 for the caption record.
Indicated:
h=10 m=38
